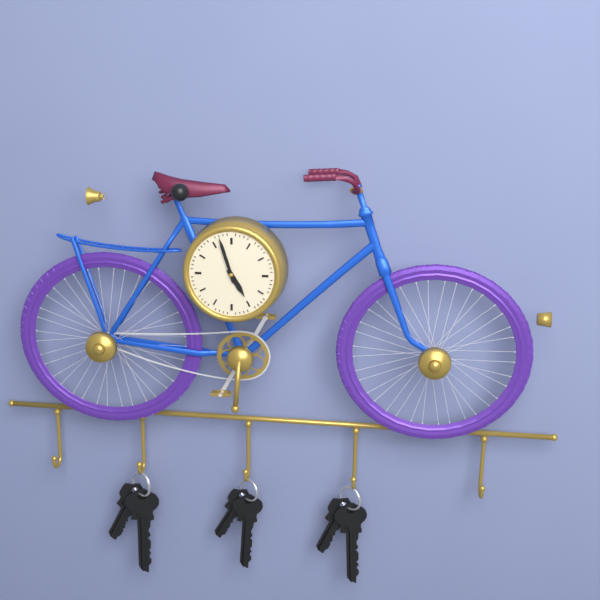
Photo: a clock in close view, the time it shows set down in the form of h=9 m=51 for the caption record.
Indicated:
h=4 m=57
